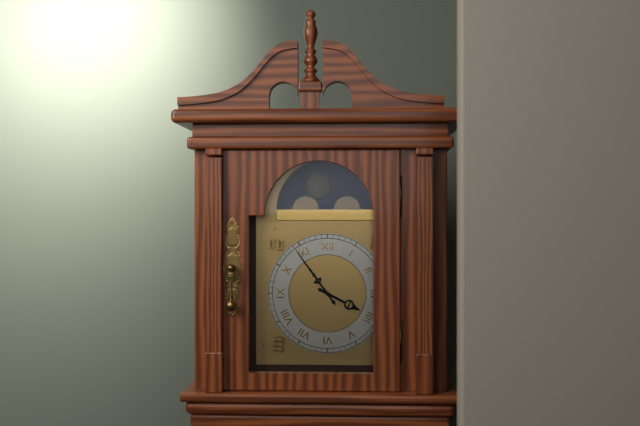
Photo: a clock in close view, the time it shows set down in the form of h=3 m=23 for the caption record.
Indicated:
h=3 m=54
